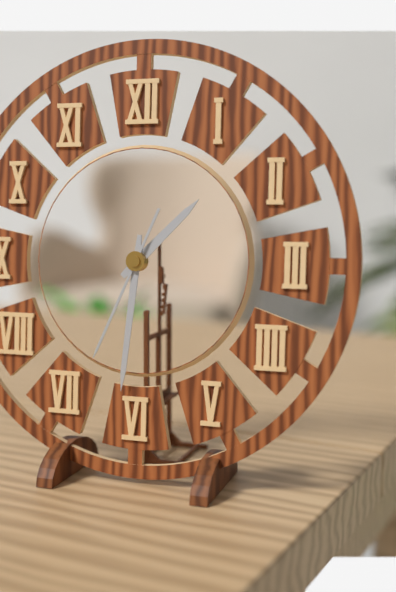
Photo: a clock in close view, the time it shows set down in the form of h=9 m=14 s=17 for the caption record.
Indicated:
h=1 m=31 s=34
